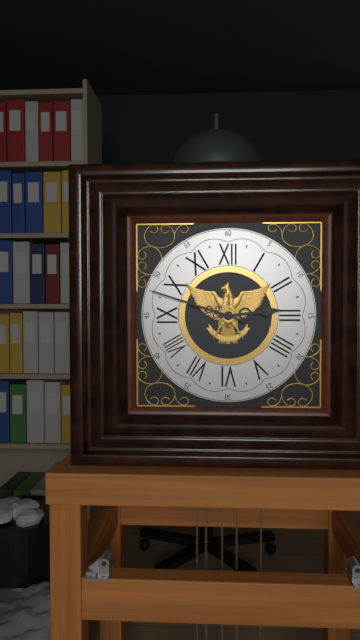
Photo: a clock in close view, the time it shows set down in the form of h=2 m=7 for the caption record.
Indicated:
h=2 m=48
